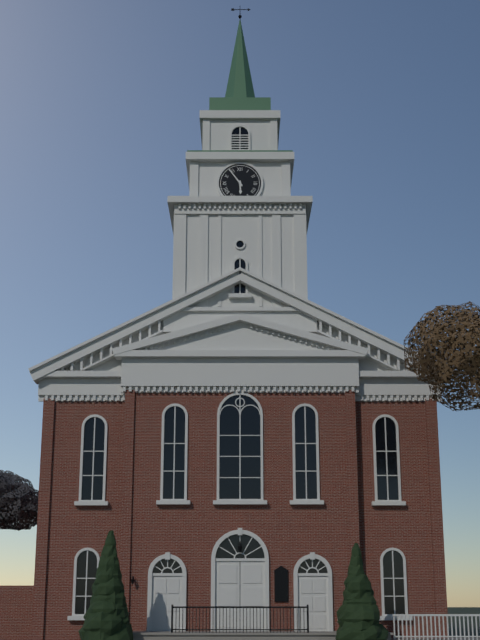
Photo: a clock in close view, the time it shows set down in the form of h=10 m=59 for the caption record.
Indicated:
h=5 m=54
